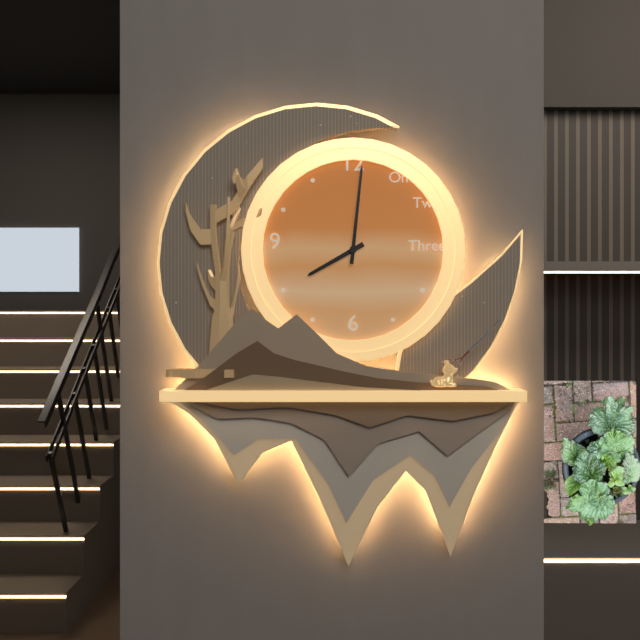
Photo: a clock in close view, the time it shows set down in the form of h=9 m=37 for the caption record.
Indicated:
h=8 m=1
